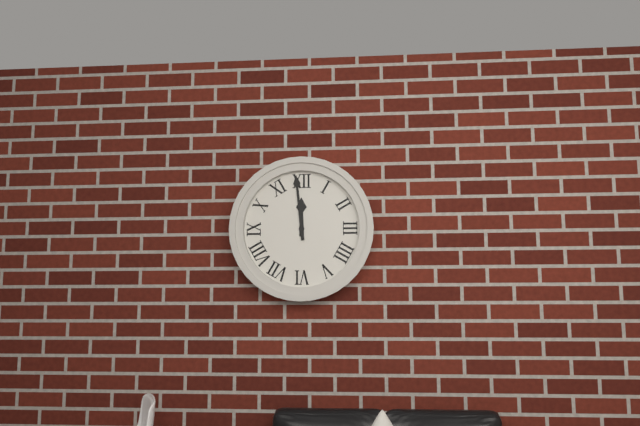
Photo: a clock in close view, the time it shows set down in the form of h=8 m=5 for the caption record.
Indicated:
h=11 m=59
